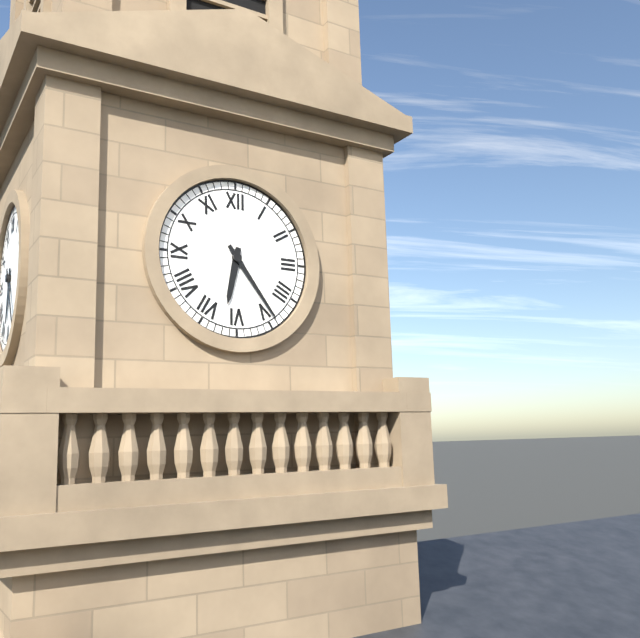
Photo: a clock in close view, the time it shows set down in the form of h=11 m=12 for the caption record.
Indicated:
h=6 m=24
